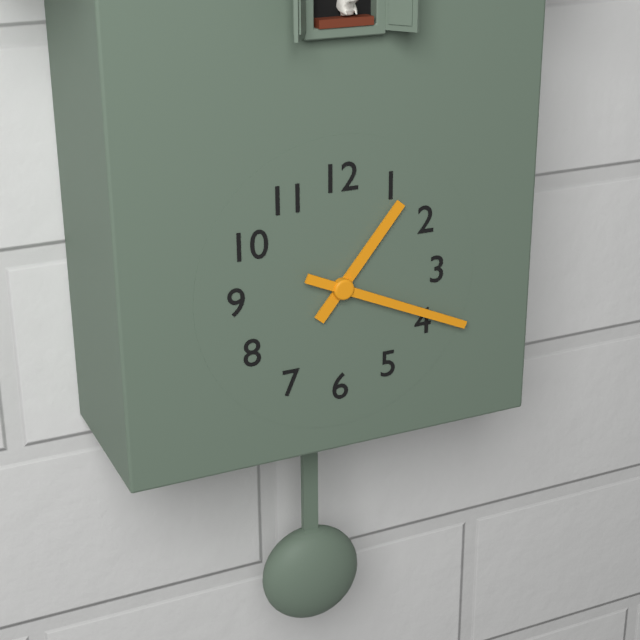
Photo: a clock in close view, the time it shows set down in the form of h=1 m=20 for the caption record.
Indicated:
h=1 m=19
